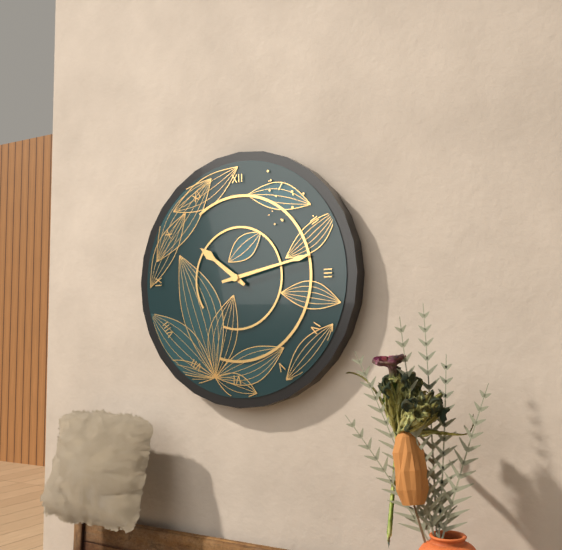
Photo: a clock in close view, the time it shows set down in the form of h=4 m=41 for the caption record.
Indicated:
h=10 m=13
